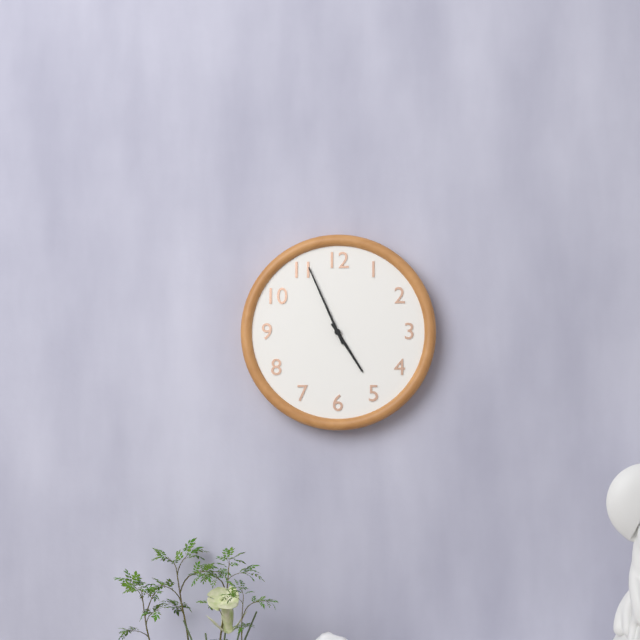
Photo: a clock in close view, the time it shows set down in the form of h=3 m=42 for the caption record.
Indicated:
h=4 m=56
